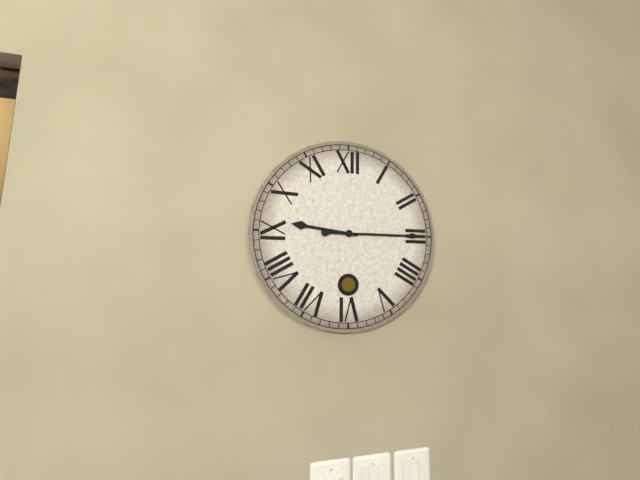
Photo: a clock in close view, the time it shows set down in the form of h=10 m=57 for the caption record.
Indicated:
h=9 m=15
